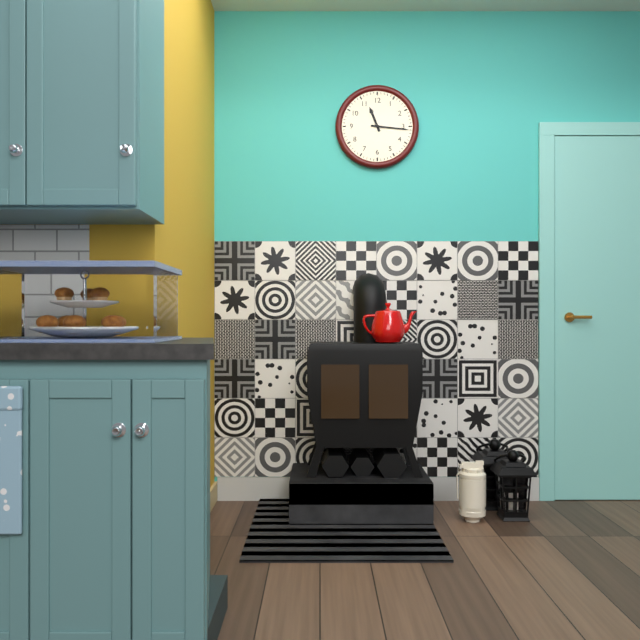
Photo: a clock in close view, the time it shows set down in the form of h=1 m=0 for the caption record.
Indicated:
h=11 m=16
